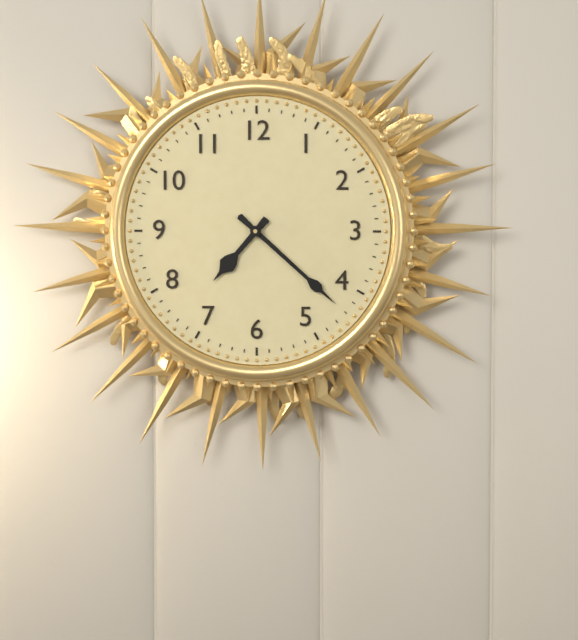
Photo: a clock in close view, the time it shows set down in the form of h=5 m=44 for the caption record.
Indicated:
h=7 m=22
